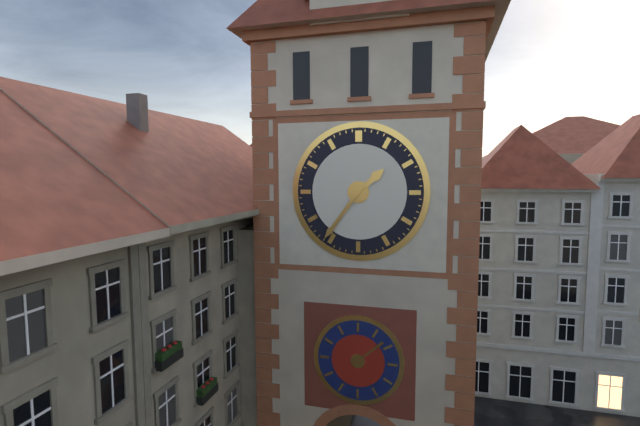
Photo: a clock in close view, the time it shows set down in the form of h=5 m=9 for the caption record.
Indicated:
h=1 m=36
